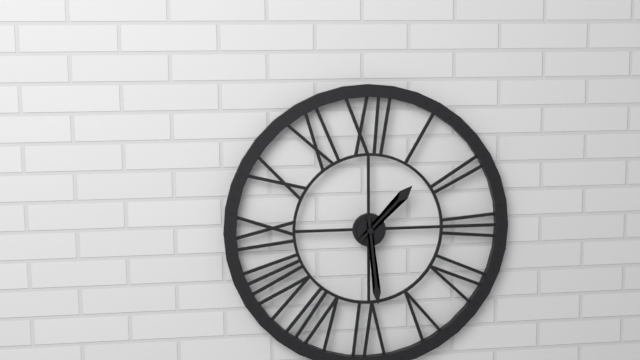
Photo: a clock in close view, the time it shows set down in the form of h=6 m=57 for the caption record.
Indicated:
h=1 m=29
